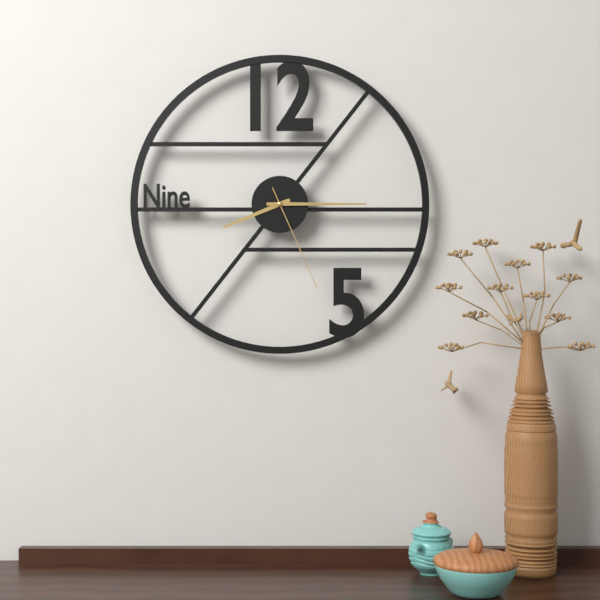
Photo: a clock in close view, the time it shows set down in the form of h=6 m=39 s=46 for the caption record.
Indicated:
h=8 m=15 s=26
